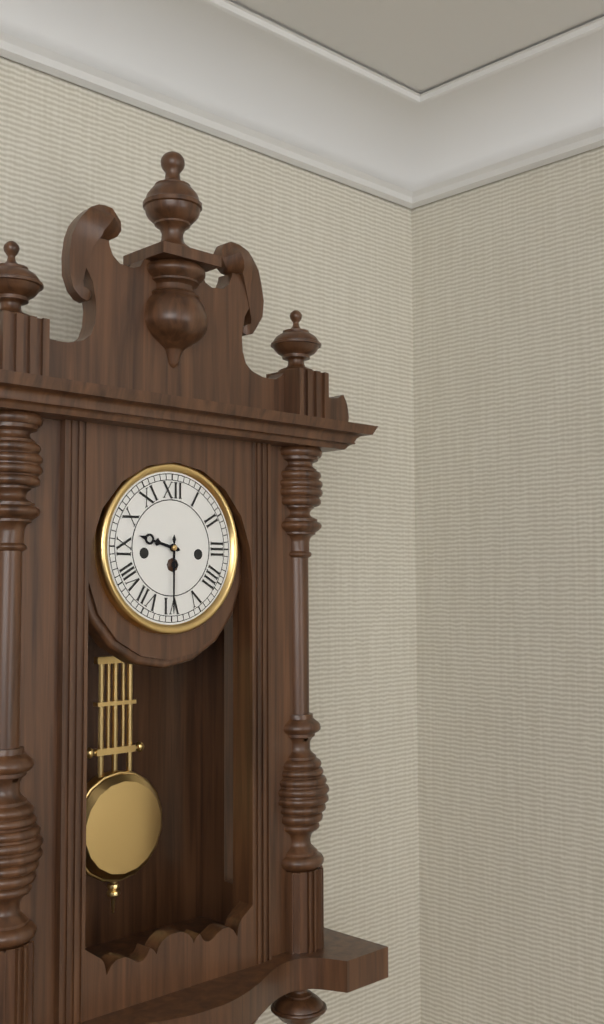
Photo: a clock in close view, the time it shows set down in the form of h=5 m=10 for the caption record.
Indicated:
h=9 m=30
